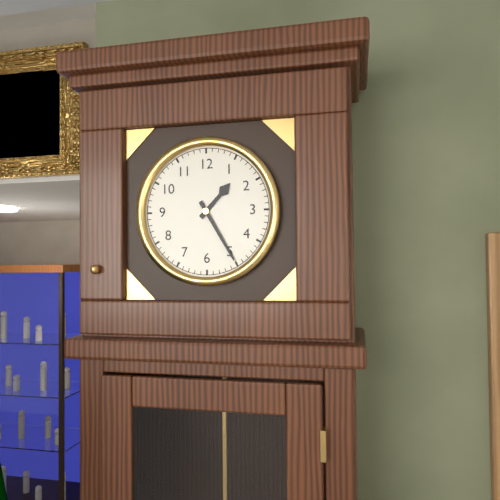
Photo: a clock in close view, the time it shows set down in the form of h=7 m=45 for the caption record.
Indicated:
h=1 m=25
